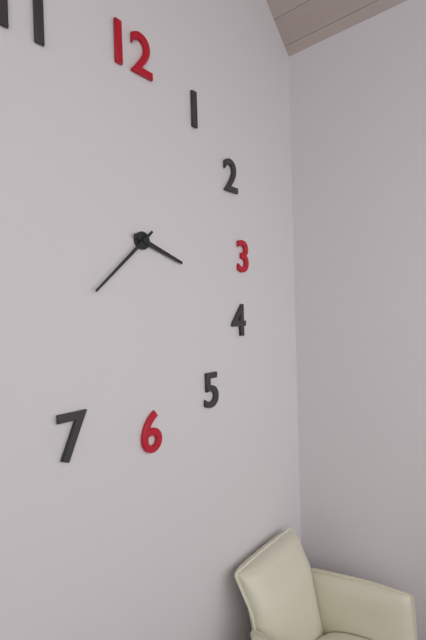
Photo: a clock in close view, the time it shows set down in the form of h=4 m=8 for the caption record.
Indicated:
h=3 m=38
